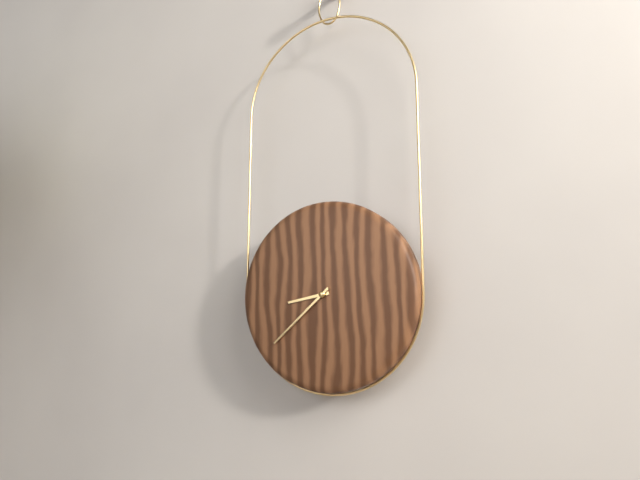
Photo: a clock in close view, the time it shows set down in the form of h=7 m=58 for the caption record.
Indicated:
h=8 m=38
